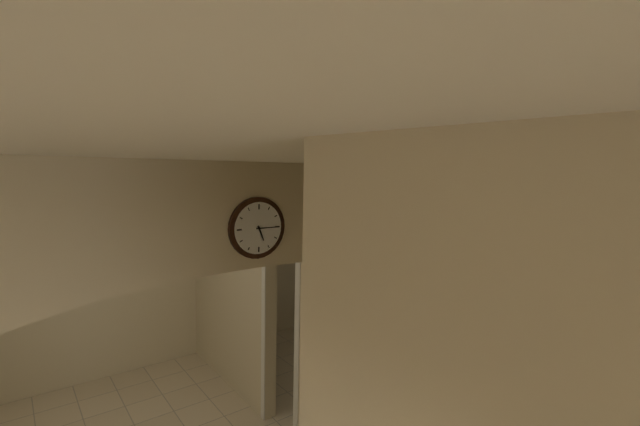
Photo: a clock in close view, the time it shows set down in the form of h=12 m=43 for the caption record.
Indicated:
h=5 m=15
